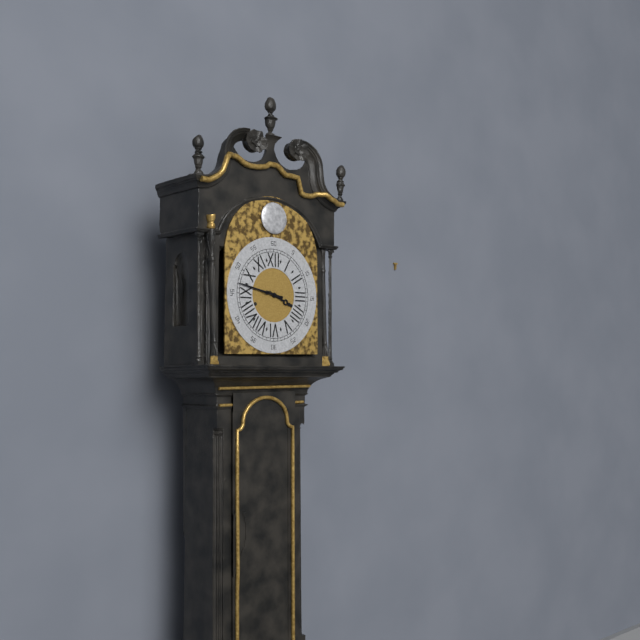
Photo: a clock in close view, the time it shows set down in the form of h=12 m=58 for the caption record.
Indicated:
h=3 m=47
